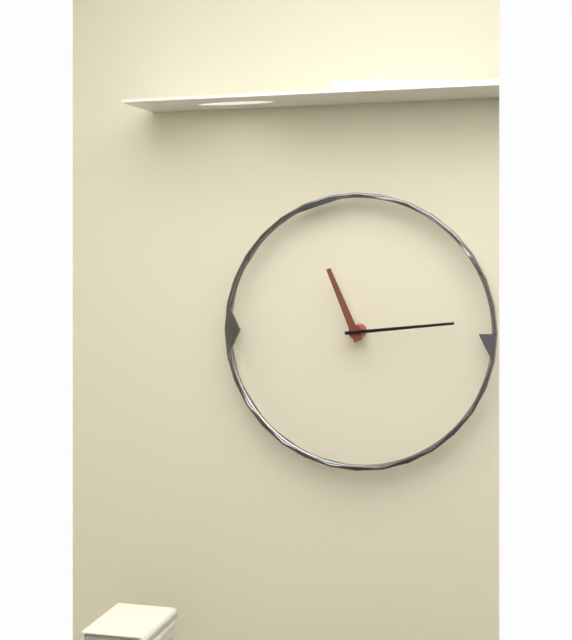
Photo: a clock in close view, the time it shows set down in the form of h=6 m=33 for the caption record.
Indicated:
h=11 m=14
